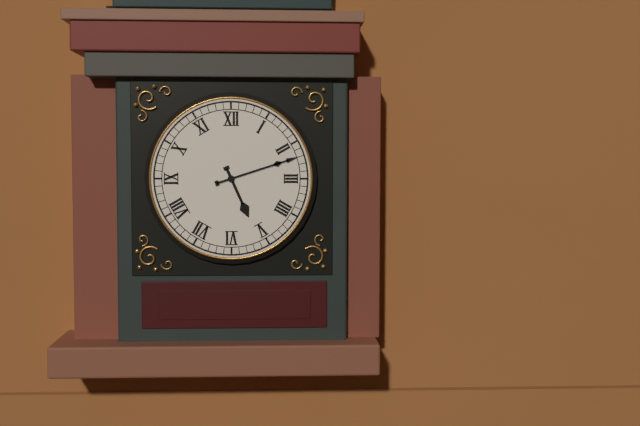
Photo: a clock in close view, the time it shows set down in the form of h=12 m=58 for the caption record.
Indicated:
h=5 m=12
